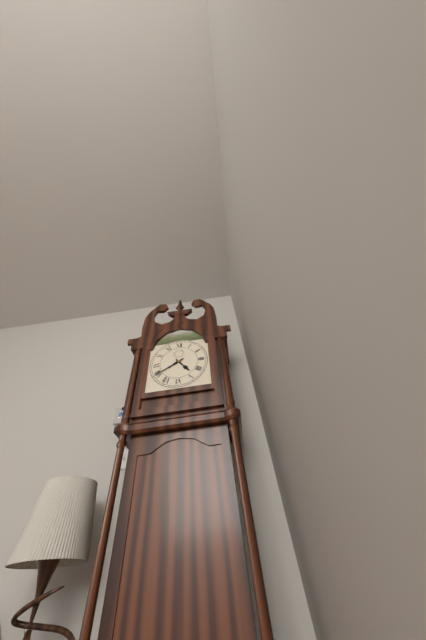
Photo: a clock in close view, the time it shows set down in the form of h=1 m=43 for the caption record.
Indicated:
h=4 m=40
